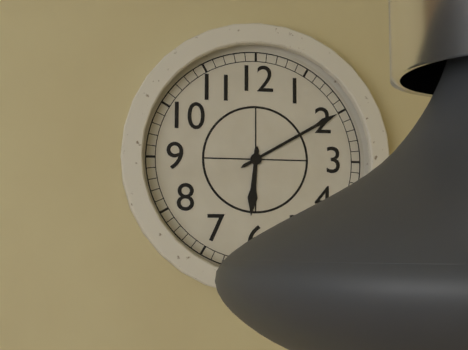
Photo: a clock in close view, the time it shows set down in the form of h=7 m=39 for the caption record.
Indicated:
h=6 m=10
